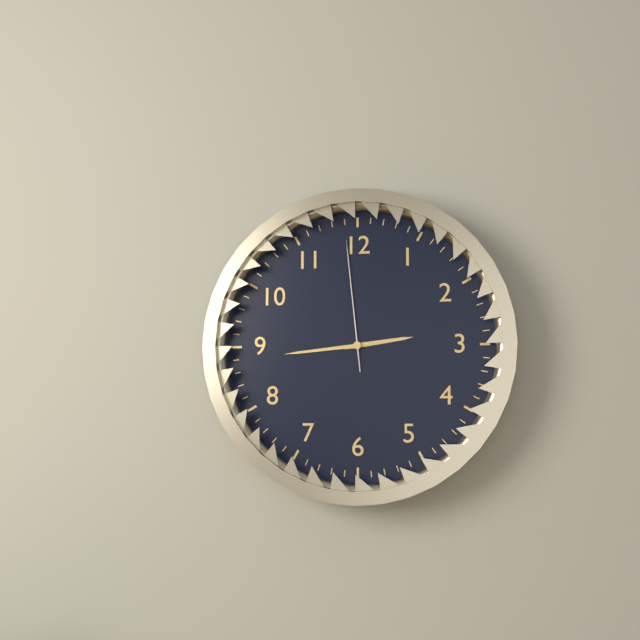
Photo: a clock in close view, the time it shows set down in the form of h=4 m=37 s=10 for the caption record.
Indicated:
h=2 m=44 s=59
